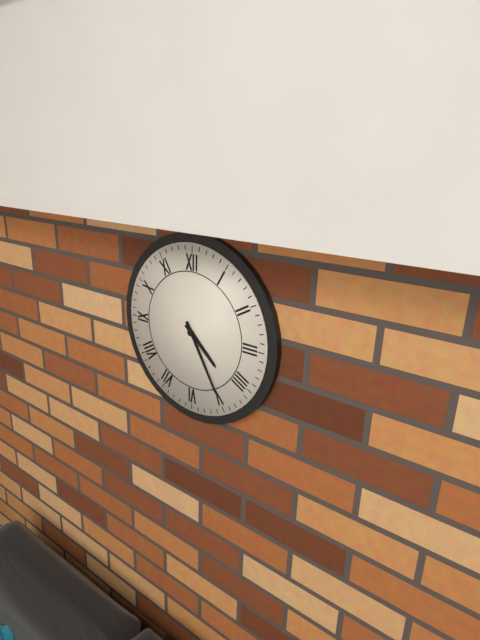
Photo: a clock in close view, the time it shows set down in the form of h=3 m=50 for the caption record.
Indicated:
h=4 m=25
